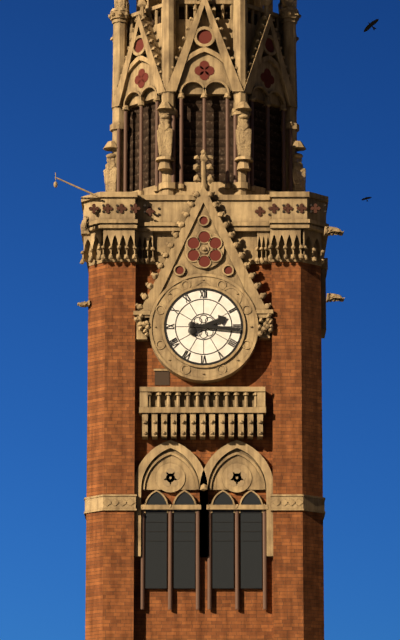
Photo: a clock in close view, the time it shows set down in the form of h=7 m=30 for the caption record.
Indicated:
h=2 m=16
